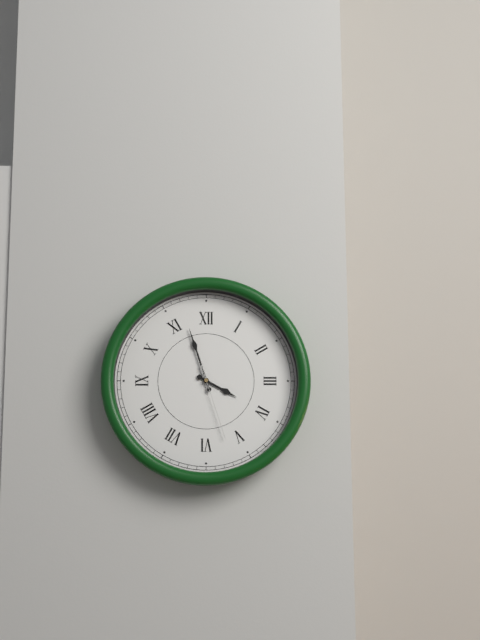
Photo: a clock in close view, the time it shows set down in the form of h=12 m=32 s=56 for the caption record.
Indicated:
h=3 m=57 s=27
